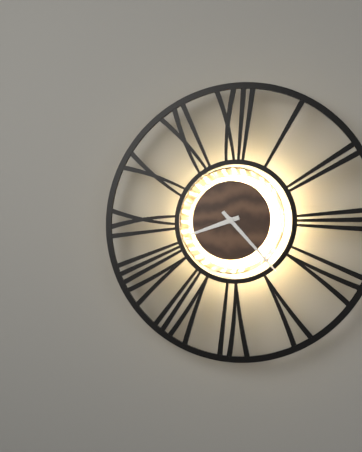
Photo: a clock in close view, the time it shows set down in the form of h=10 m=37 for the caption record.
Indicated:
h=8 m=23
